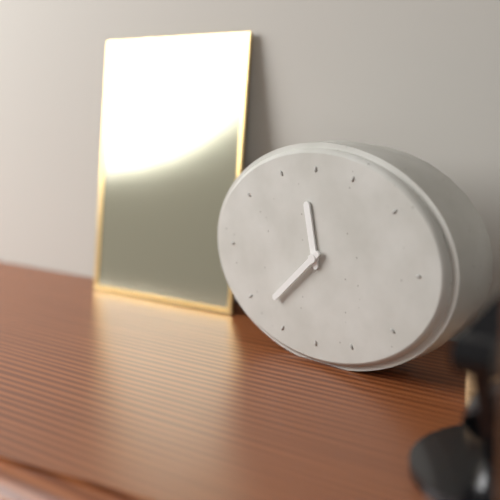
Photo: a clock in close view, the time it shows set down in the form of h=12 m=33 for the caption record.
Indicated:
h=11 m=38
